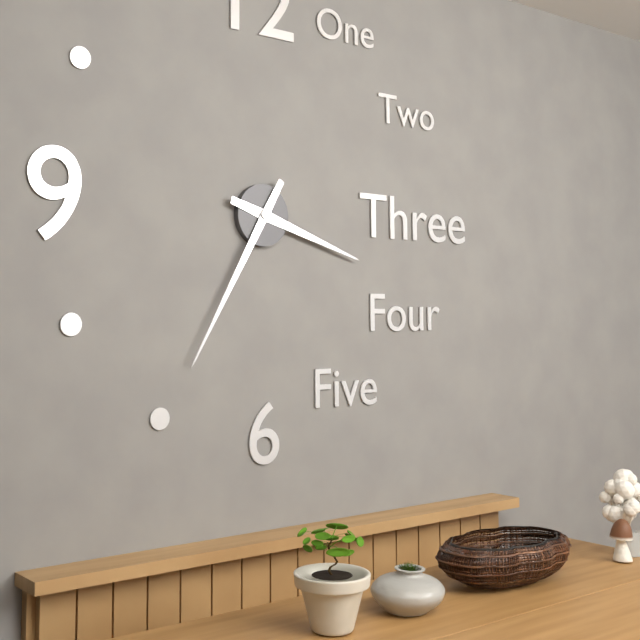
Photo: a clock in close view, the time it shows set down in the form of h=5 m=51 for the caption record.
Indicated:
h=3 m=35
